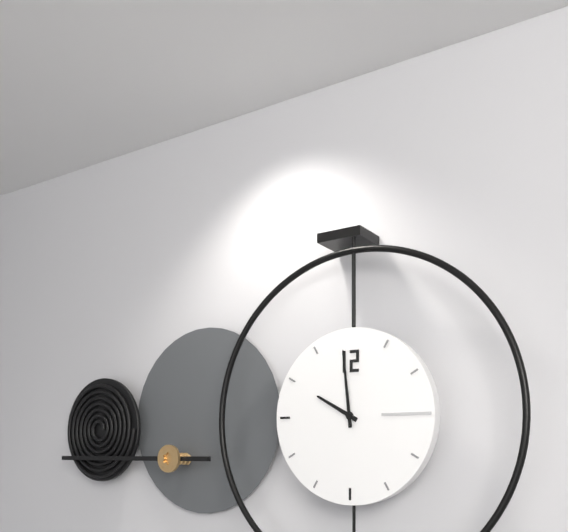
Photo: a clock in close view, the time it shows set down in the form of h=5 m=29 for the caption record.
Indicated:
h=9 m=59
